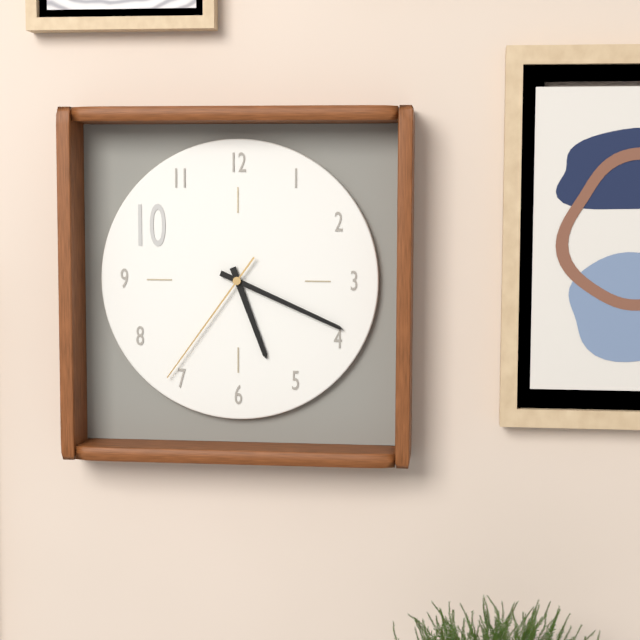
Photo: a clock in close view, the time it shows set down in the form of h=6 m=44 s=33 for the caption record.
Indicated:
h=5 m=19 s=36
